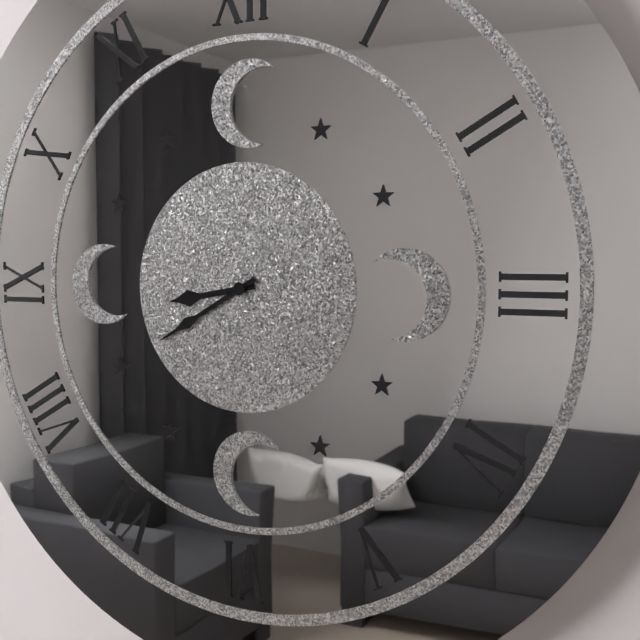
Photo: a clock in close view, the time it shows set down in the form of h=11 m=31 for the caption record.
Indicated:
h=8 m=40
